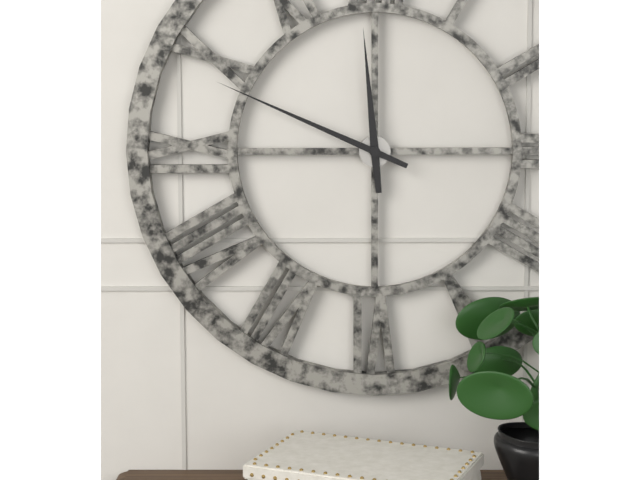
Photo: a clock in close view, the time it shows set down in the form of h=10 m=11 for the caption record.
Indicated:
h=11 m=49
